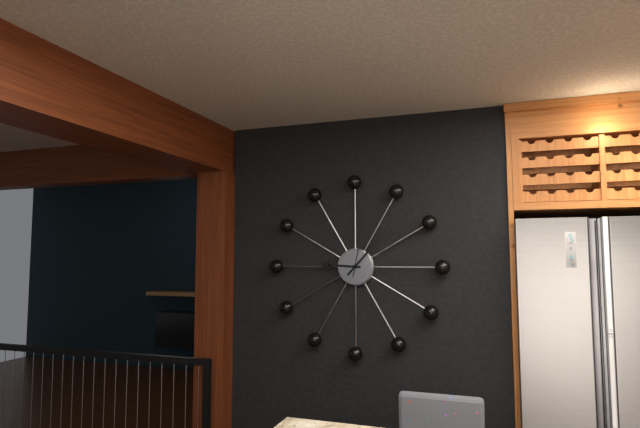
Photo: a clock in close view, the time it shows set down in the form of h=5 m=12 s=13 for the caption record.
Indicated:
h=9 m=7 s=2
